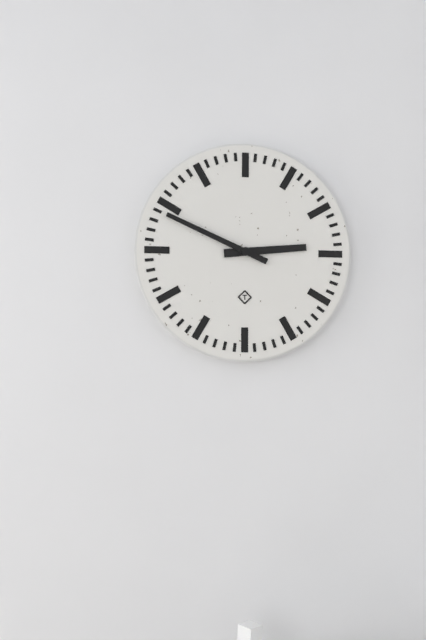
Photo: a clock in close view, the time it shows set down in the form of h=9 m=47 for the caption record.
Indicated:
h=2 m=49
